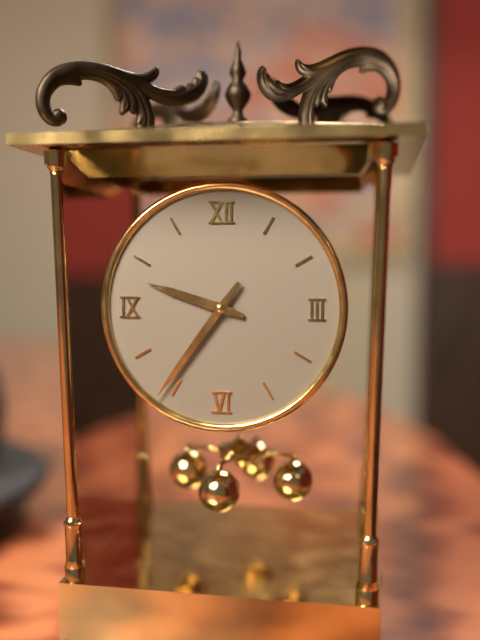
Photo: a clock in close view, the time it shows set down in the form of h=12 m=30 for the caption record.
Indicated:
h=9 m=36
